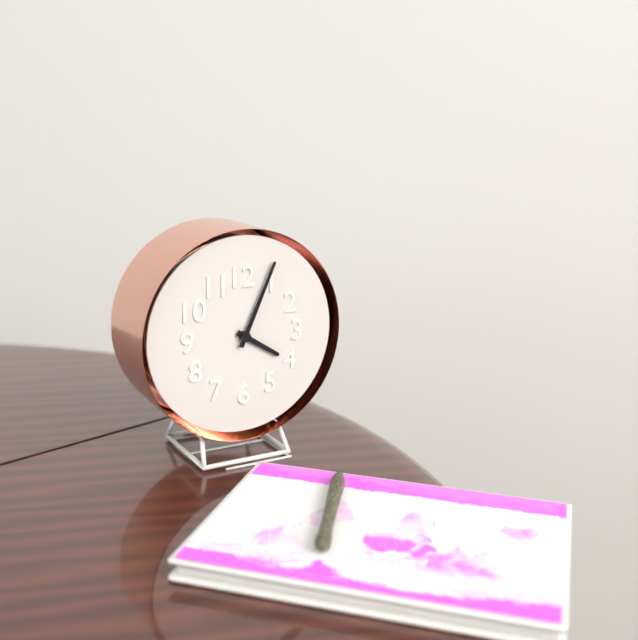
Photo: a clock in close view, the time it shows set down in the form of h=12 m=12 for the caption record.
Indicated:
h=4 m=4
